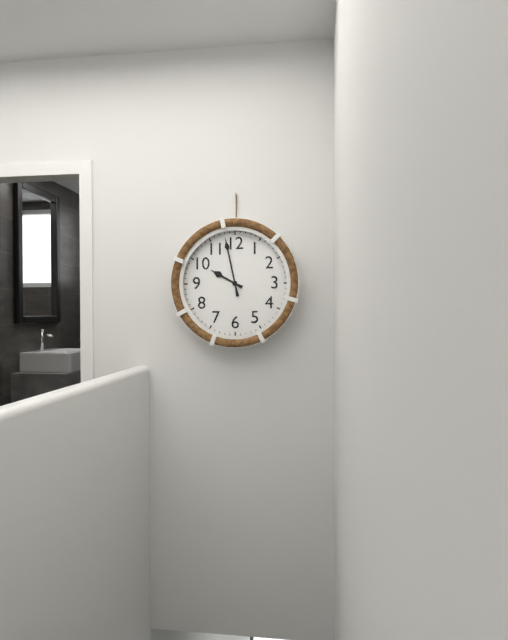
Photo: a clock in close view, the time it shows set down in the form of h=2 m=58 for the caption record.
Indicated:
h=9 m=58
